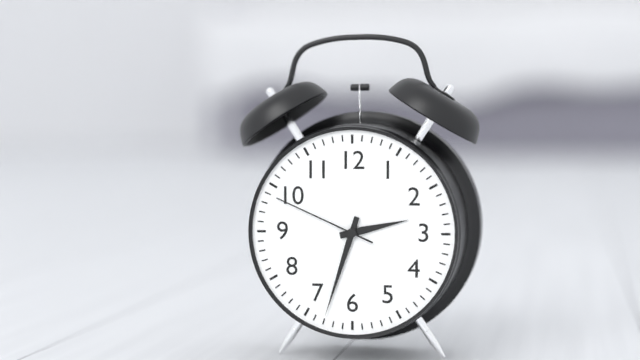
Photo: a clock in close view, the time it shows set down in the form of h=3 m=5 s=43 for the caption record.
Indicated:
h=2 m=33 s=49
